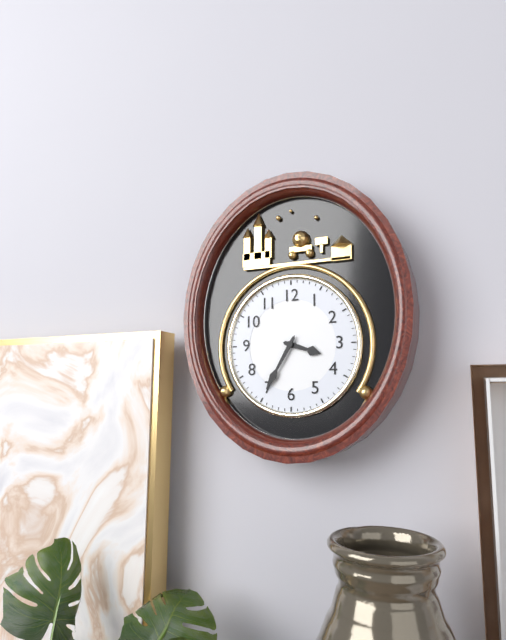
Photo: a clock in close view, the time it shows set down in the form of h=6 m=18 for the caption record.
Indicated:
h=3 m=35
